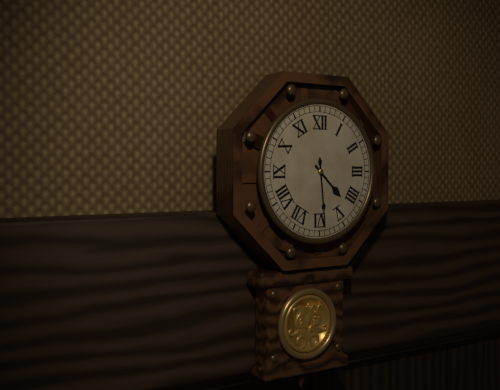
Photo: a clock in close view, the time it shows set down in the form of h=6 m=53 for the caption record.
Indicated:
h=4 m=29
